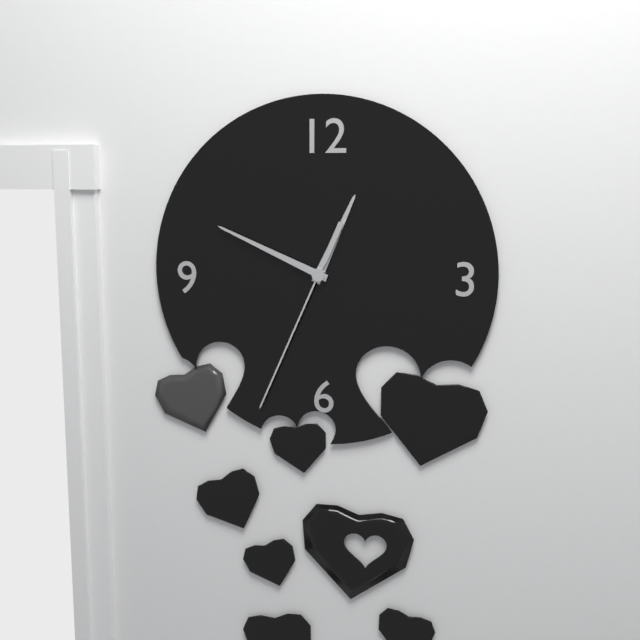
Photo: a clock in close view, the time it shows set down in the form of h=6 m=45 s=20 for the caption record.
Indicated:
h=12 m=49 s=34
